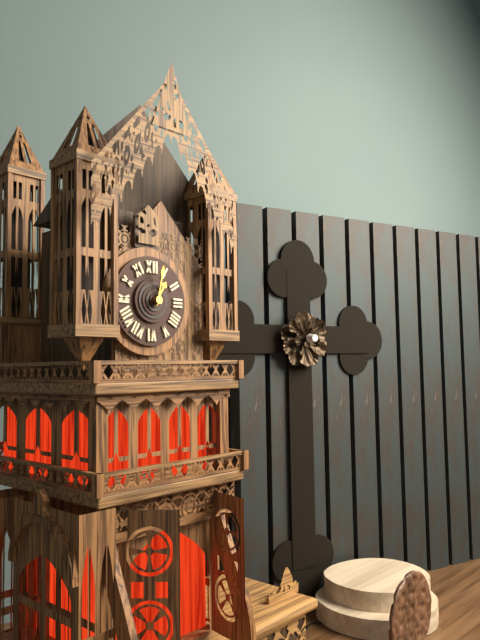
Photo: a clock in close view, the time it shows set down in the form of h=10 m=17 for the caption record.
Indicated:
h=1 m=2
